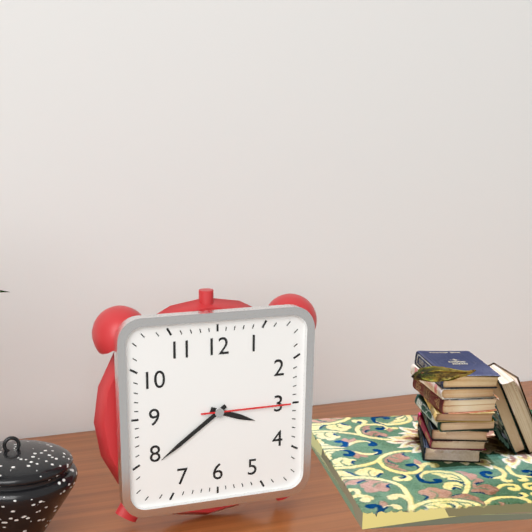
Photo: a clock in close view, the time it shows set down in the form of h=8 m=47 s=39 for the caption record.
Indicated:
h=3 m=39 s=15
